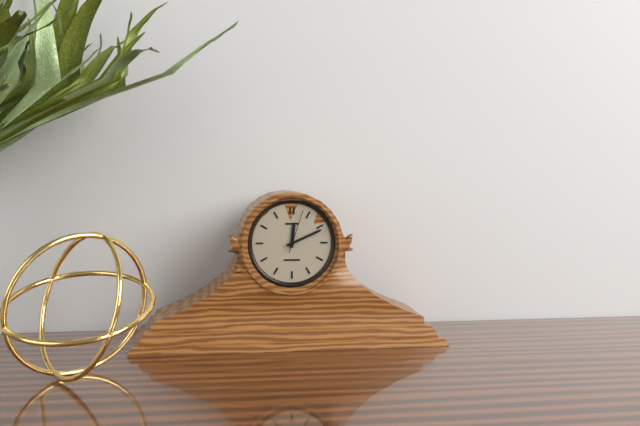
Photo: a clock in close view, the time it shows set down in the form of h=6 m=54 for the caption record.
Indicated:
h=12 m=11
